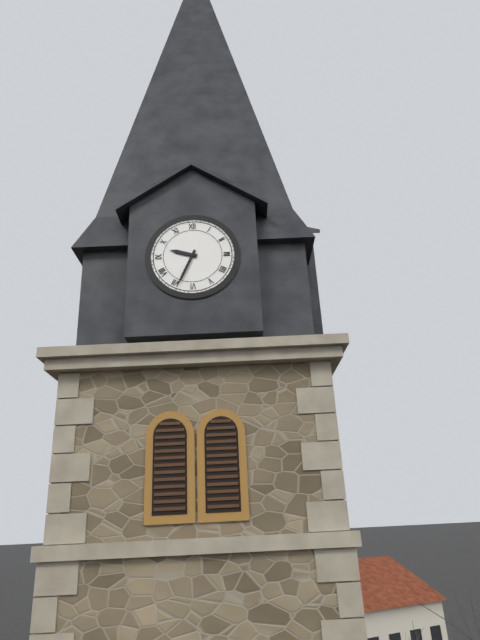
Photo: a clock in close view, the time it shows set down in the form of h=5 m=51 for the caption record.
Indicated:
h=9 m=34
